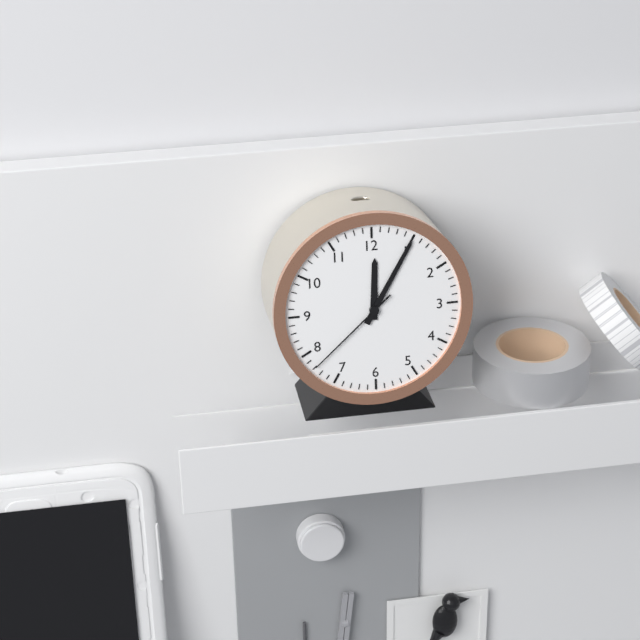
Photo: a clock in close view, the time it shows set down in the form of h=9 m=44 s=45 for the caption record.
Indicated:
h=12 m=5 s=38
